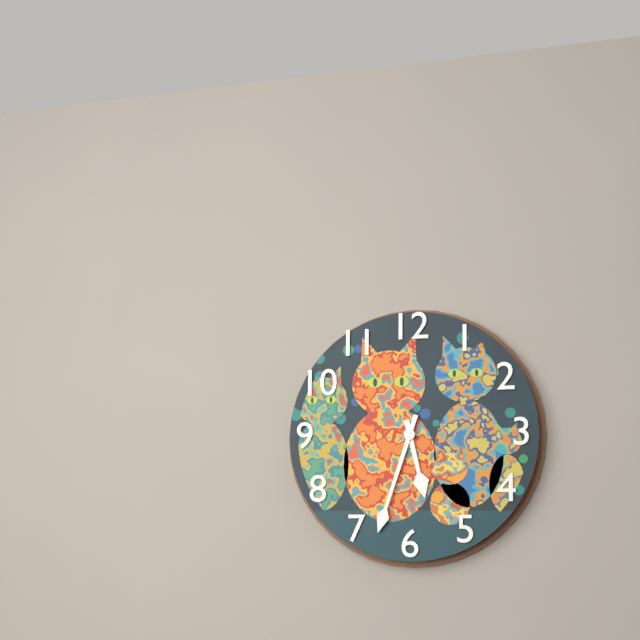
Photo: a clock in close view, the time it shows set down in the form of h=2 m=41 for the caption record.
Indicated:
h=5 m=33
